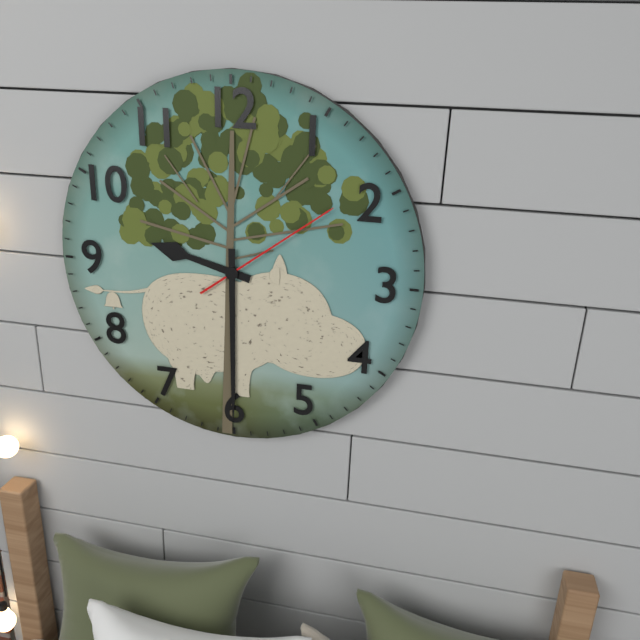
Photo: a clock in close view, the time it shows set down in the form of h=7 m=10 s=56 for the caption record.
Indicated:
h=9 m=30 s=9
